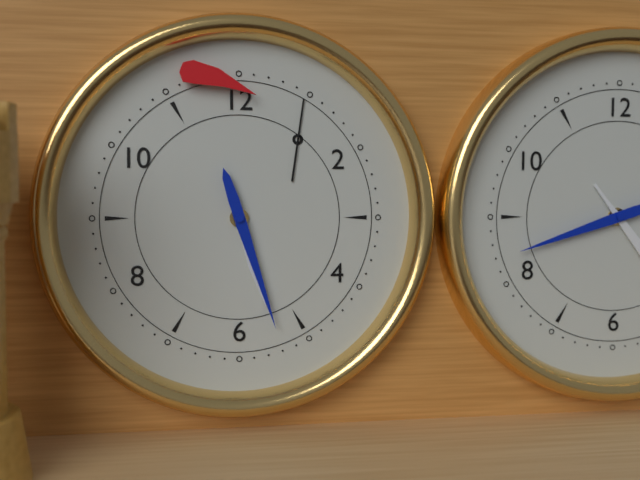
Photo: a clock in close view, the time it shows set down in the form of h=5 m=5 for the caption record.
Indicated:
h=5 m=27
